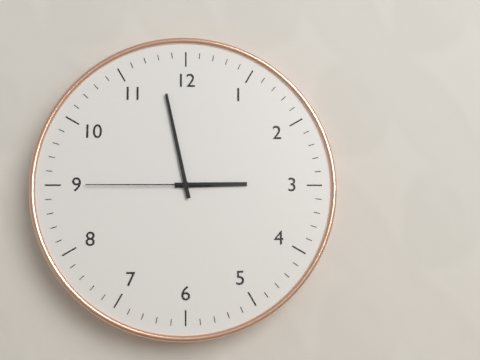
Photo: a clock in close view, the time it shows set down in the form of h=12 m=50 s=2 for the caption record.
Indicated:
h=2 m=58 s=45
